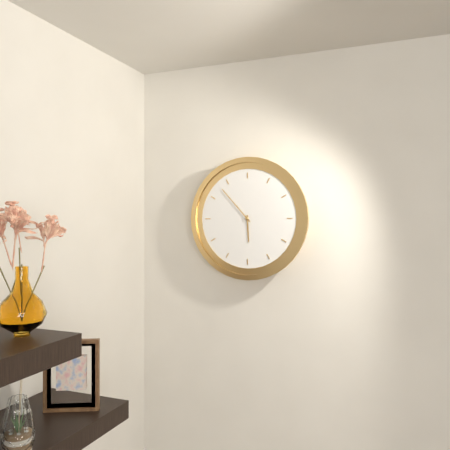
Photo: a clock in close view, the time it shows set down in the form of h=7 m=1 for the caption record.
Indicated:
h=5 m=53
